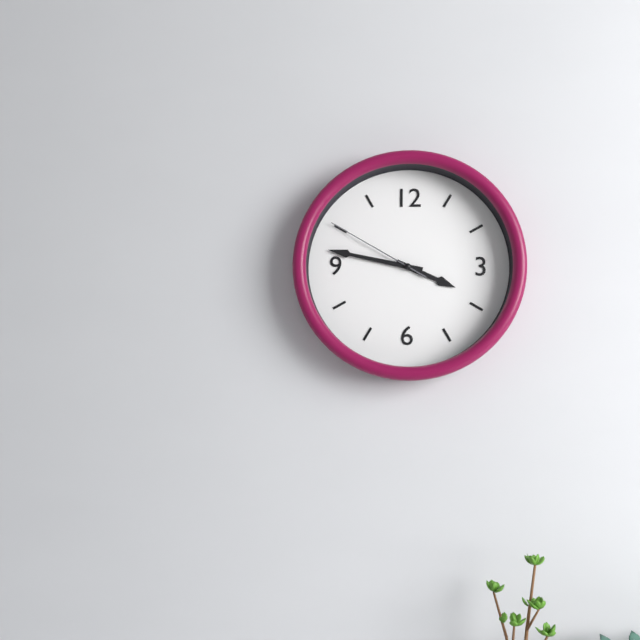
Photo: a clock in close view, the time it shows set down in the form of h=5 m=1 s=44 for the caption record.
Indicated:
h=3 m=47 s=50
